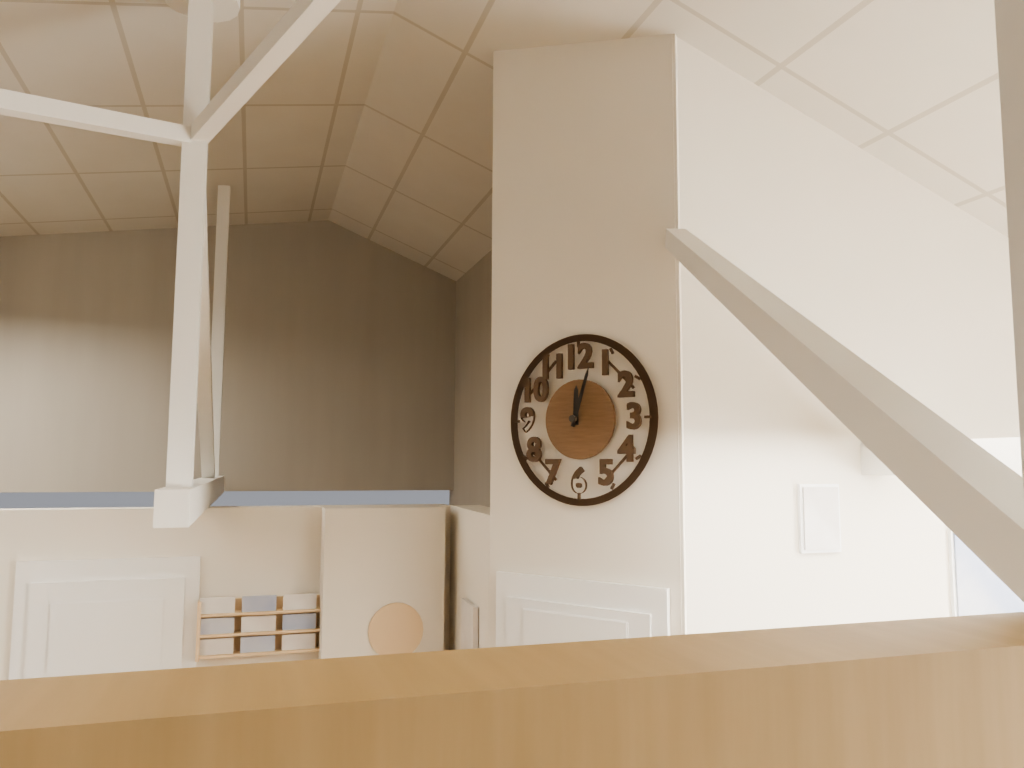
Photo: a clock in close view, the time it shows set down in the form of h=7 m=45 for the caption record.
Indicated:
h=12 m=3
